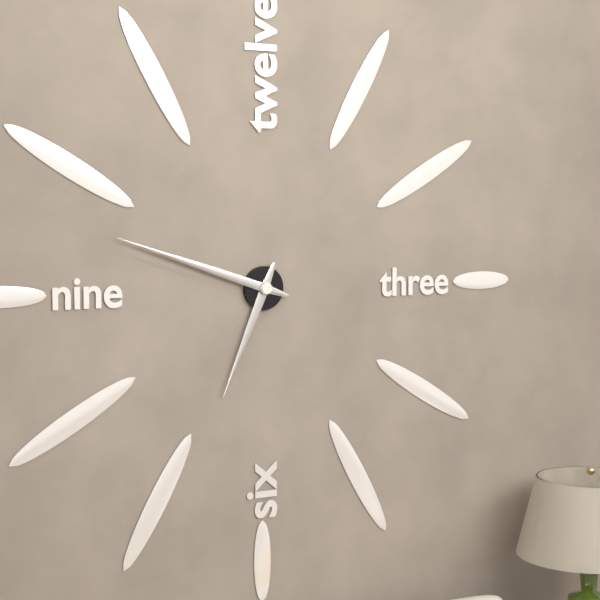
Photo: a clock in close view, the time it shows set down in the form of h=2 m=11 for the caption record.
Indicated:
h=6 m=48
